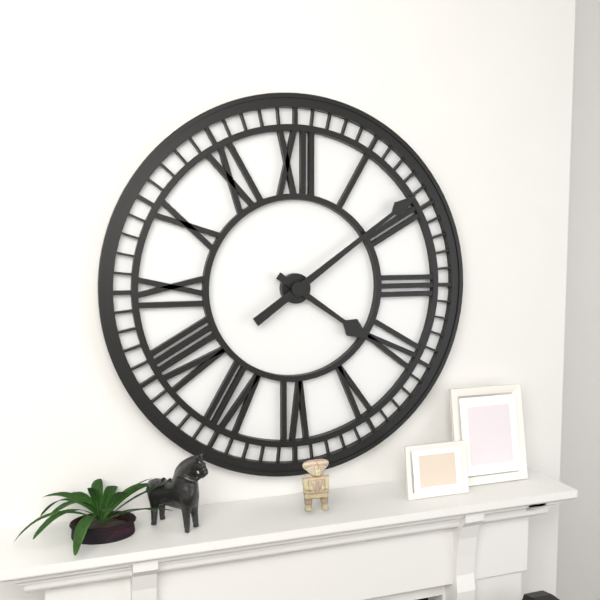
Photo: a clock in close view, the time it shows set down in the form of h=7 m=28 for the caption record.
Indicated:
h=4 m=9
